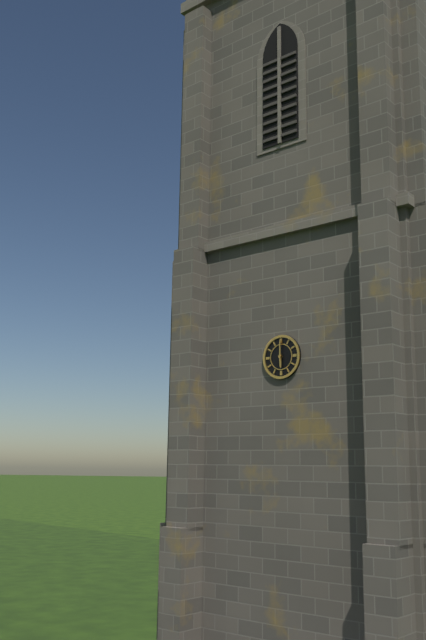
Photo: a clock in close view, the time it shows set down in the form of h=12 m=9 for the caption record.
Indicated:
h=6 m=0
